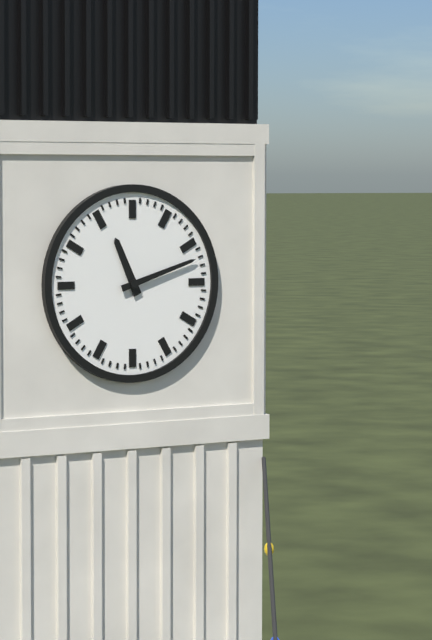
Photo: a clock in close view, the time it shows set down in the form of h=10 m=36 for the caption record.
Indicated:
h=11 m=12
